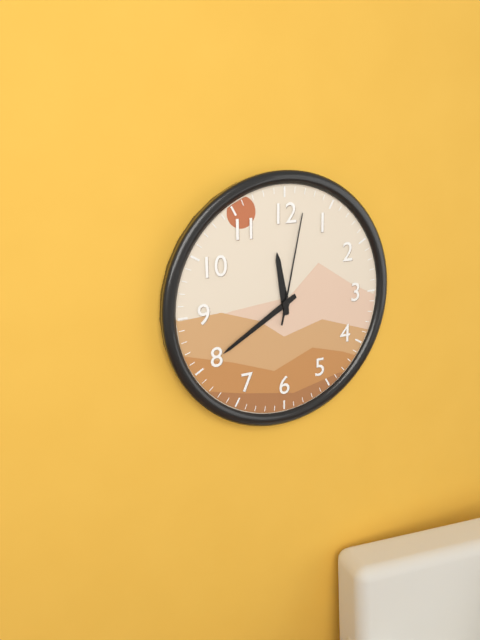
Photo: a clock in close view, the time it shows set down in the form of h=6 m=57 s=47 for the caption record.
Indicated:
h=11 m=40 s=2
